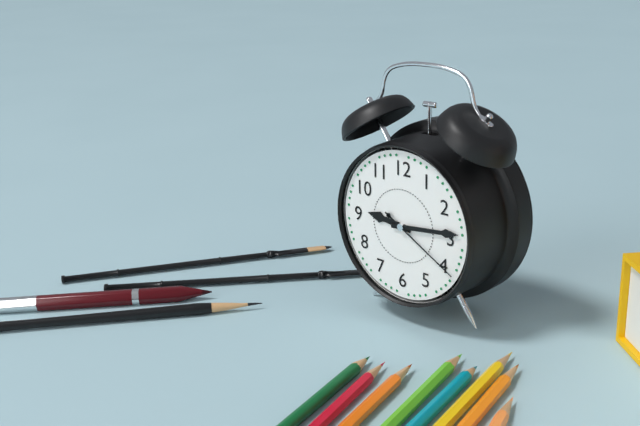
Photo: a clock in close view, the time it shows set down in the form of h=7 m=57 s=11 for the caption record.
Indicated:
h=9 m=14 s=20
